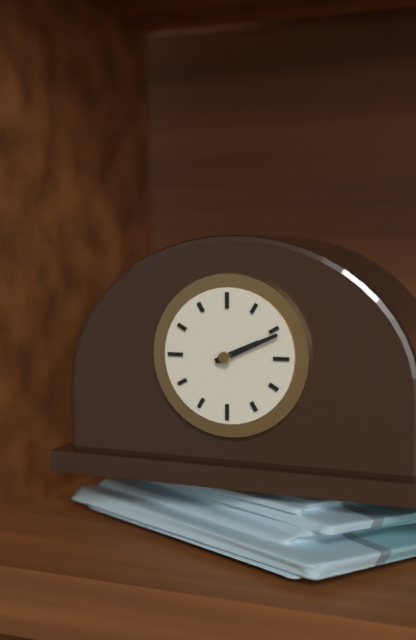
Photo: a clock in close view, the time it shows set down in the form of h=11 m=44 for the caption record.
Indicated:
h=2 m=11
